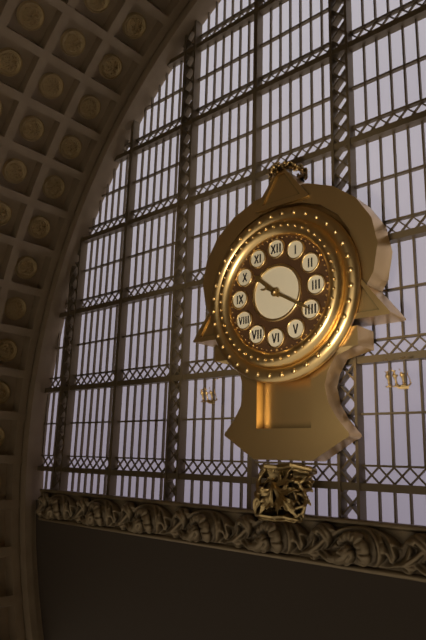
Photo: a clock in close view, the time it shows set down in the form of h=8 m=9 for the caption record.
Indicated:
h=10 m=20
